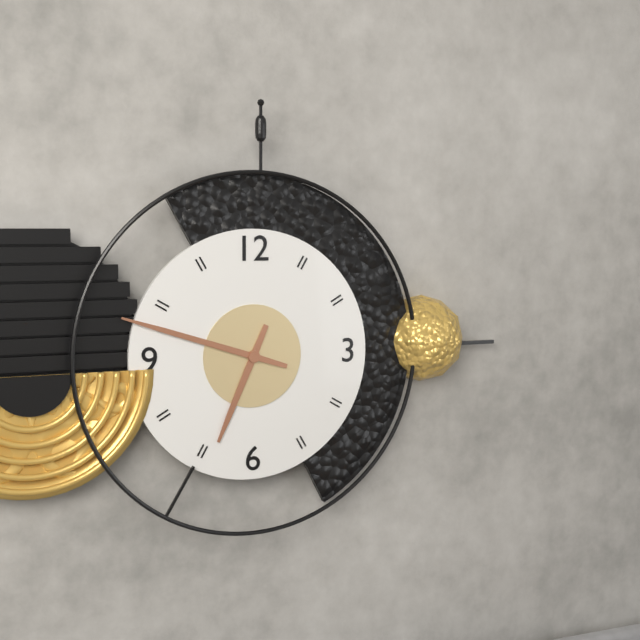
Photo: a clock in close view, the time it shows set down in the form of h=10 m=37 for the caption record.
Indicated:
h=6 m=48
